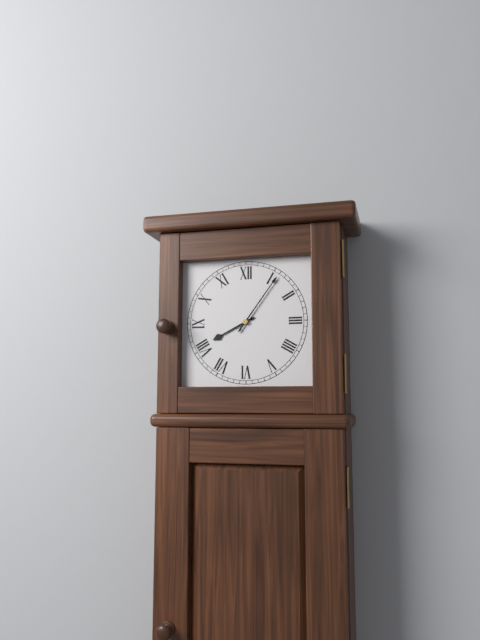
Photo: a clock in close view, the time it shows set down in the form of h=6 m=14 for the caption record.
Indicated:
h=8 m=6
